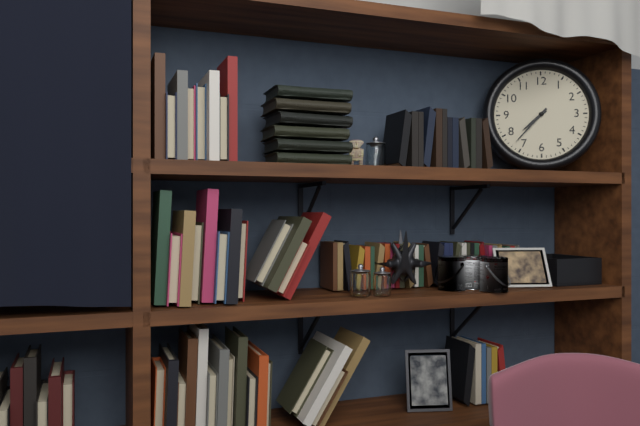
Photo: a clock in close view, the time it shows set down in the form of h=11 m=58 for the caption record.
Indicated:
h=7 m=37
